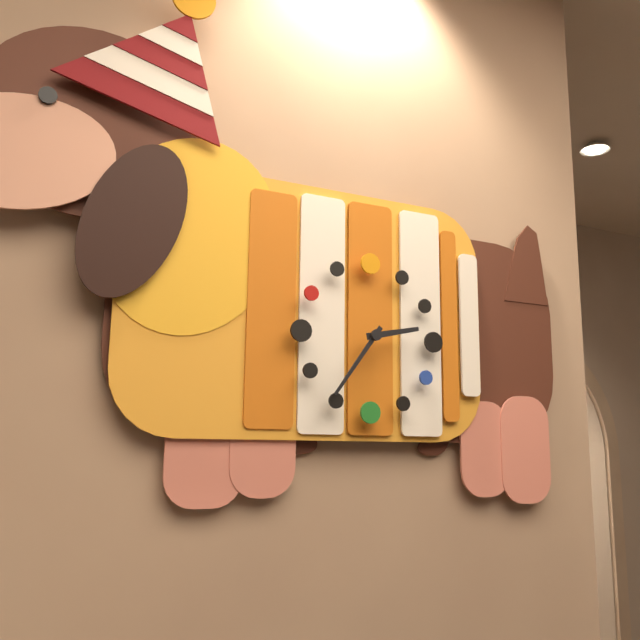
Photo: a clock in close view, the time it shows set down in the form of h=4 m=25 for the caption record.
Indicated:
h=2 m=36
